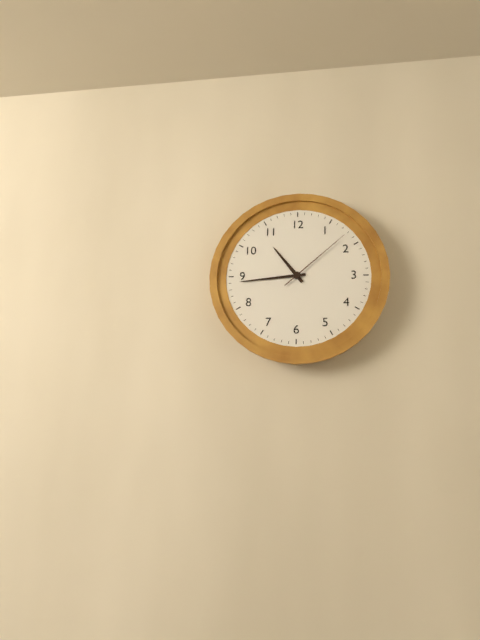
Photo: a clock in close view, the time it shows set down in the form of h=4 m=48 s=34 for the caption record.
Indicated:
h=10 m=44 s=8
